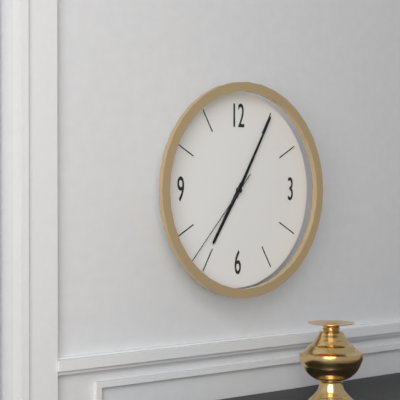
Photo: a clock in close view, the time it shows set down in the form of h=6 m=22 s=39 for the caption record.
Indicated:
h=7 m=5 s=37
